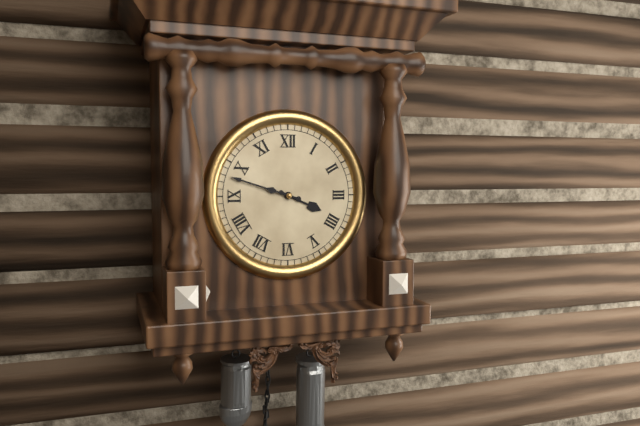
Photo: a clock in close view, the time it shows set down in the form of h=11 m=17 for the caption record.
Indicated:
h=3 m=48
